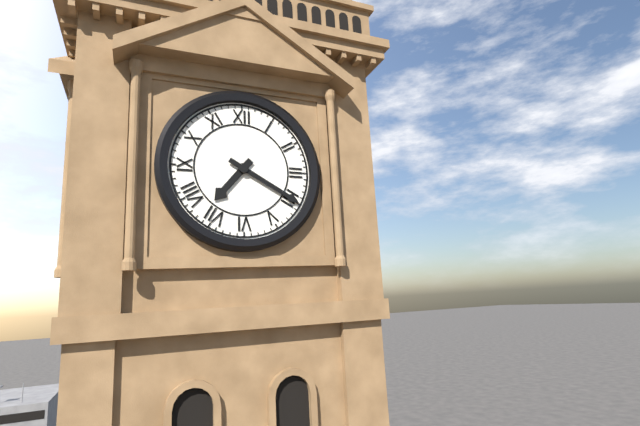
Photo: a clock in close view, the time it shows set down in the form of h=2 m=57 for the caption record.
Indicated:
h=7 m=20
